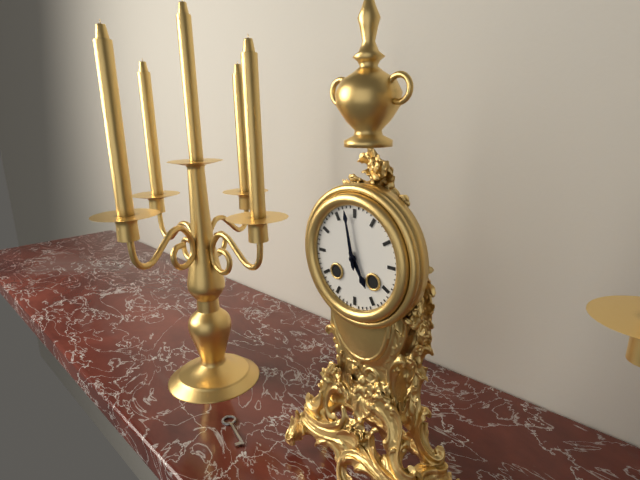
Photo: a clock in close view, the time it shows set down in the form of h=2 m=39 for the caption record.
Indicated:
h=4 m=58
